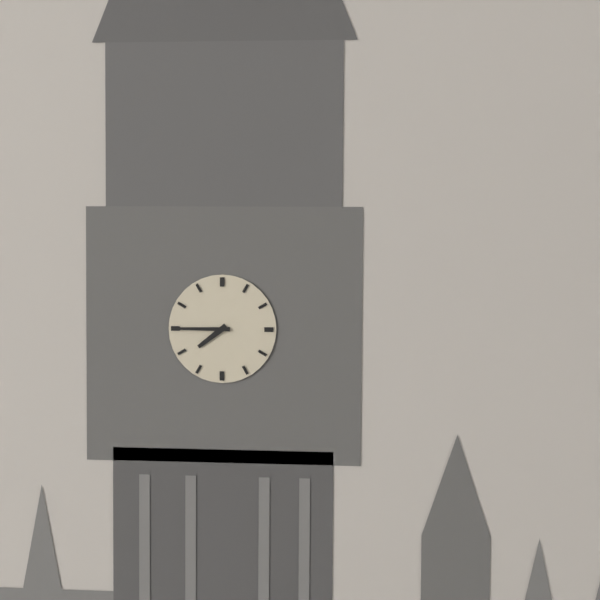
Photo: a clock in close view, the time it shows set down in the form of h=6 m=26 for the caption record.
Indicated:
h=7 m=45
